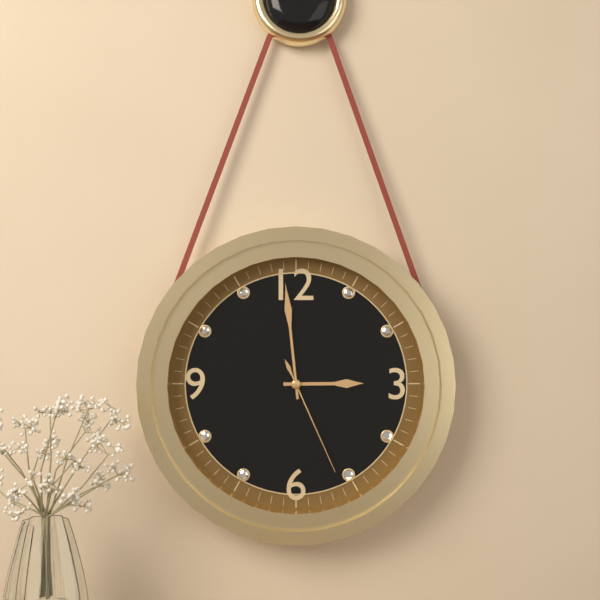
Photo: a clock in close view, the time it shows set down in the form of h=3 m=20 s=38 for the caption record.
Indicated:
h=2 m=59 s=26
